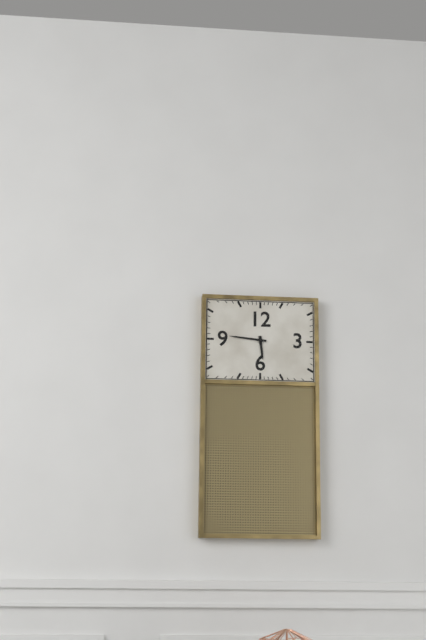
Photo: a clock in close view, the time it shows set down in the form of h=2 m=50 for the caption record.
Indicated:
h=5 m=46
